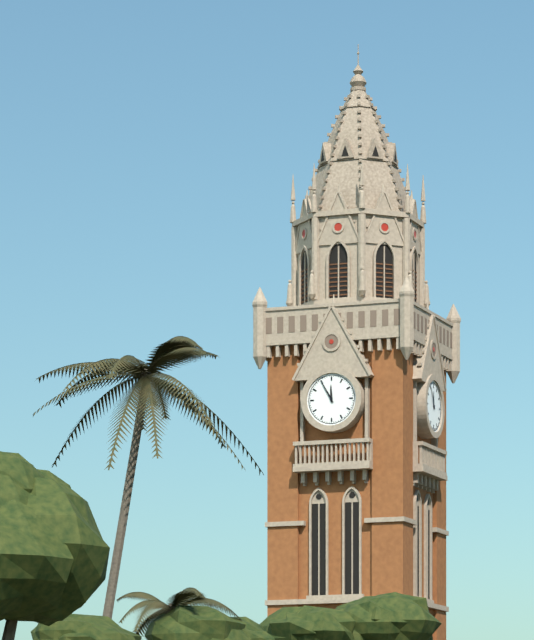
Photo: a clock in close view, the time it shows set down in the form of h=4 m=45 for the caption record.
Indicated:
h=11 m=55
